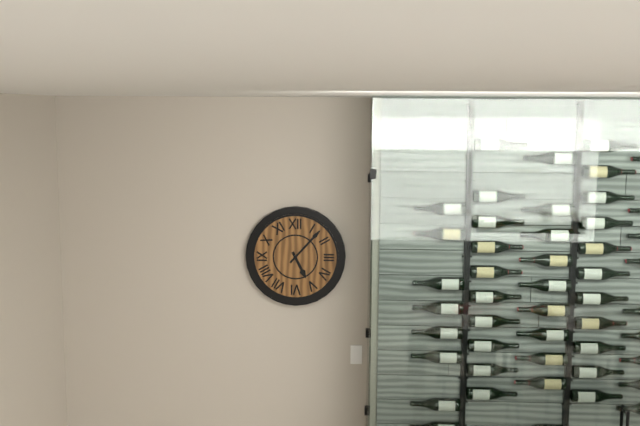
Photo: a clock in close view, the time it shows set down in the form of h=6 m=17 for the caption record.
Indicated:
h=5 m=7
